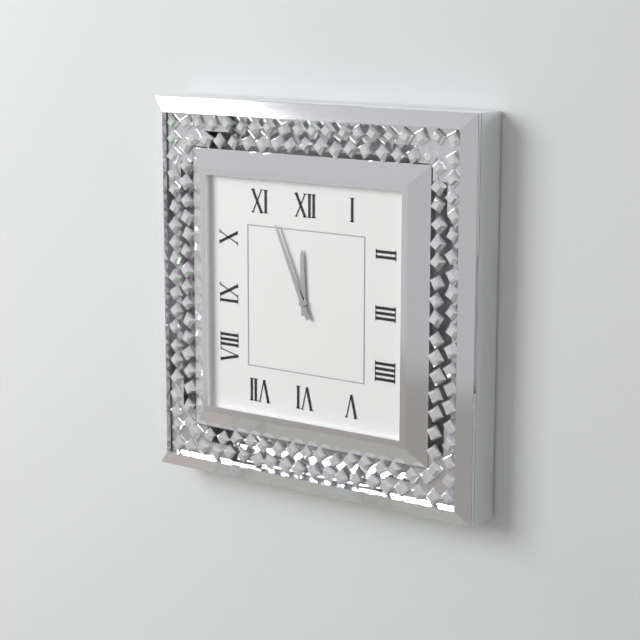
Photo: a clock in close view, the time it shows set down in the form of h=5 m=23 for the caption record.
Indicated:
h=11 m=56
